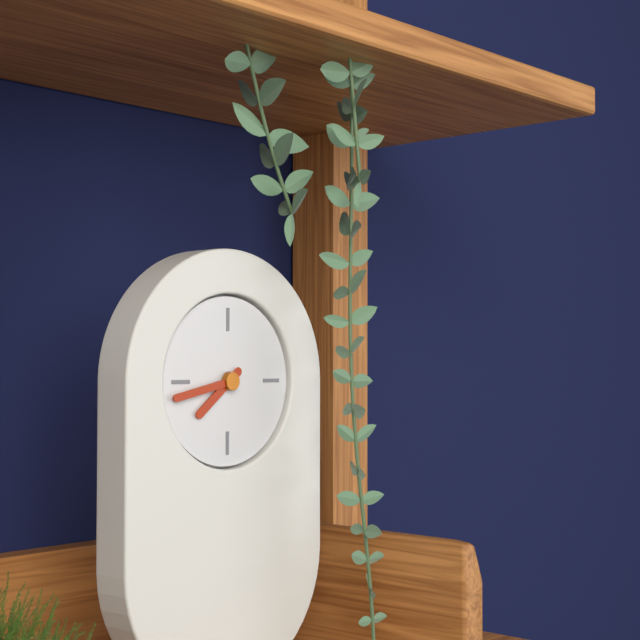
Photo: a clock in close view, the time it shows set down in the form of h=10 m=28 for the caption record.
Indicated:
h=7 m=43
